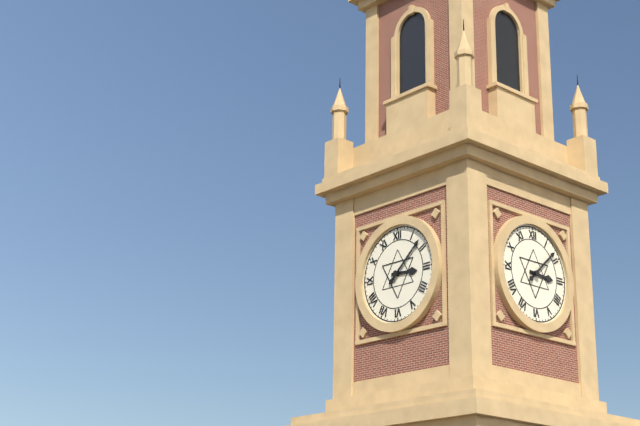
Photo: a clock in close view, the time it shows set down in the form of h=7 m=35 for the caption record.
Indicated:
h=3 m=8
